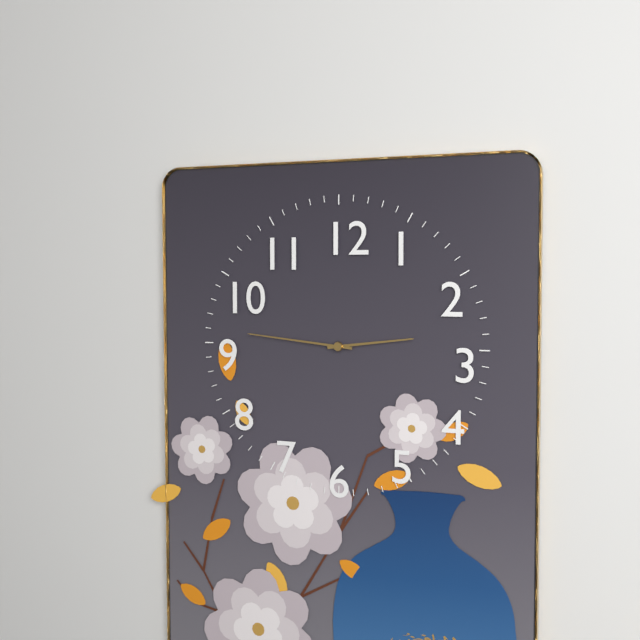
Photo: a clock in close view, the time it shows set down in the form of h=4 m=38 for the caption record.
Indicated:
h=2 m=46
